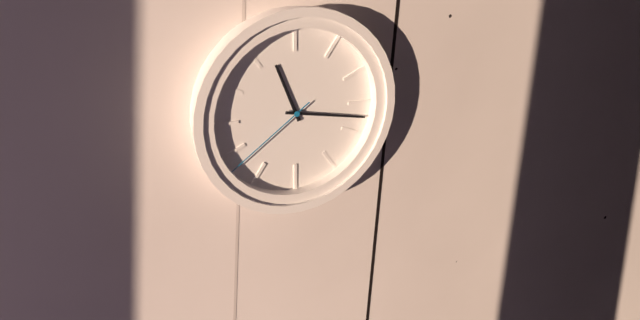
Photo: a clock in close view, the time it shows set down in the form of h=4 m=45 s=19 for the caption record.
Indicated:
h=11 m=17 s=39
